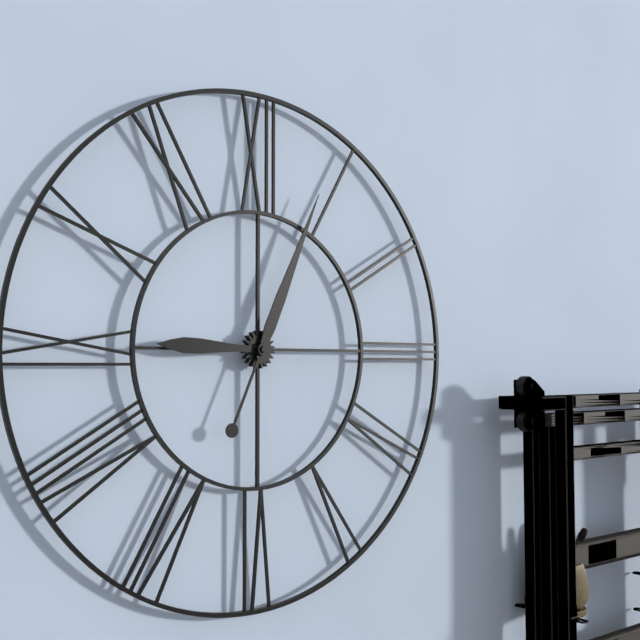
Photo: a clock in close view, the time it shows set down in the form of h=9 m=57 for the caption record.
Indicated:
h=9 m=4
